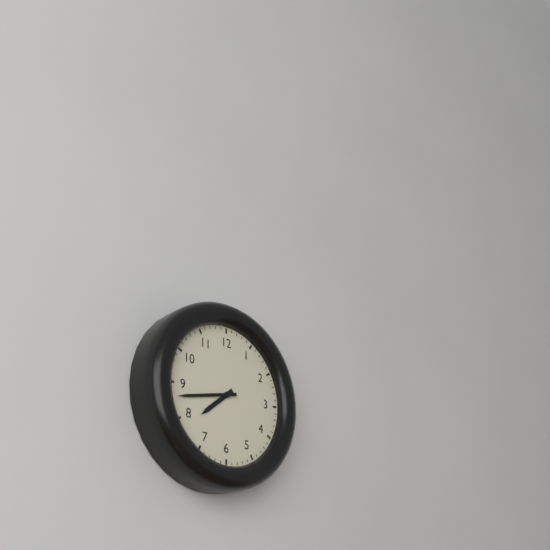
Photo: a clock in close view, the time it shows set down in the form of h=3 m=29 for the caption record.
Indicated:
h=7 m=43
